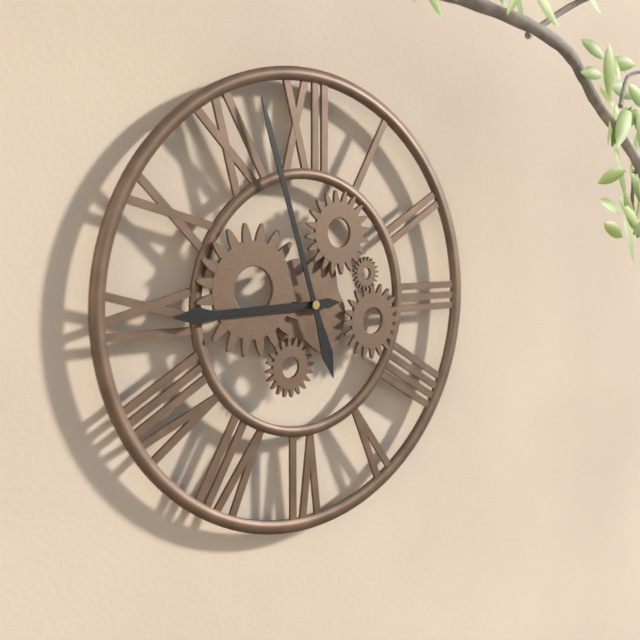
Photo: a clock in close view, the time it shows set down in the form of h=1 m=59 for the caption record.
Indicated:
h=8 m=57
